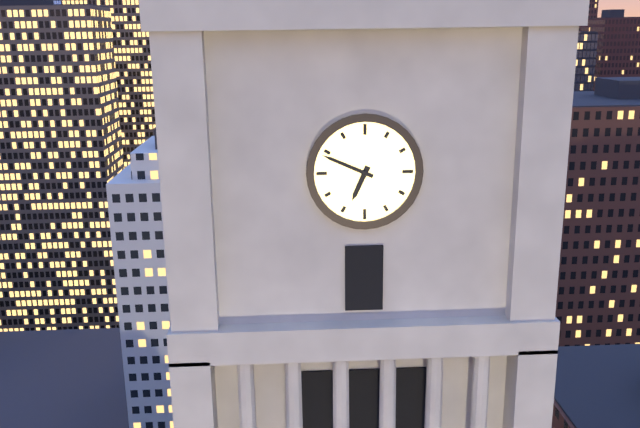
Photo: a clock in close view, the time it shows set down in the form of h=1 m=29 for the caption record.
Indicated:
h=6 m=49
